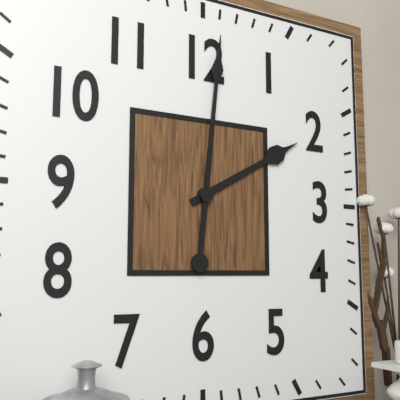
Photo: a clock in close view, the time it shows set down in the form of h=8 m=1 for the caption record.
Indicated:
h=2 m=1
